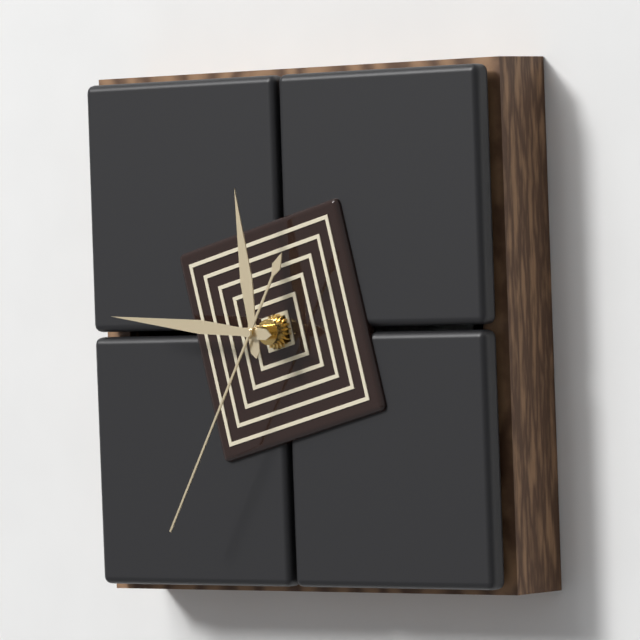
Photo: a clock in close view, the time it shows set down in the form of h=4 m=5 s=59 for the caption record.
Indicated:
h=11 m=46 s=35
